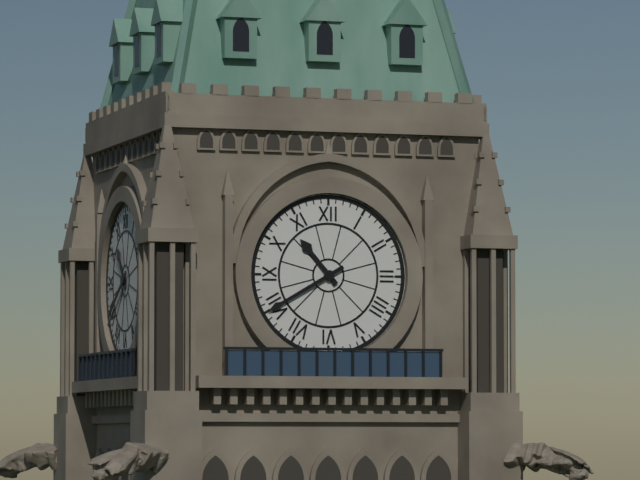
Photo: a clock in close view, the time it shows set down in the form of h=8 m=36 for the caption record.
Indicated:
h=10 m=40
